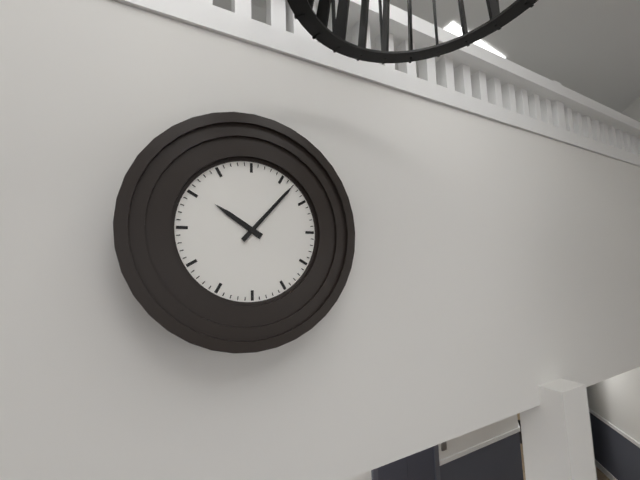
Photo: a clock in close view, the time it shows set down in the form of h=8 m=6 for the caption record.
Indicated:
h=10 m=7
